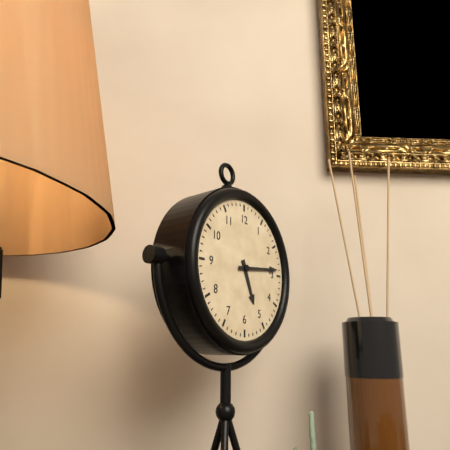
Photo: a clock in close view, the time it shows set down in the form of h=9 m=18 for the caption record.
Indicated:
h=5 m=14
